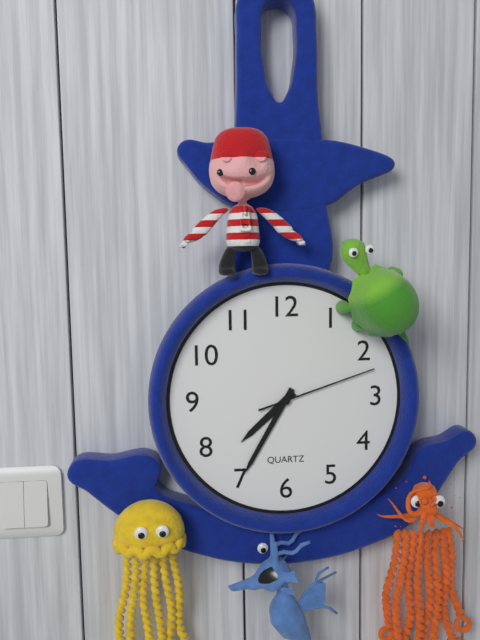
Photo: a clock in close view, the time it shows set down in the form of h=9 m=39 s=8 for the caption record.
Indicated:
h=7 m=35 s=12
